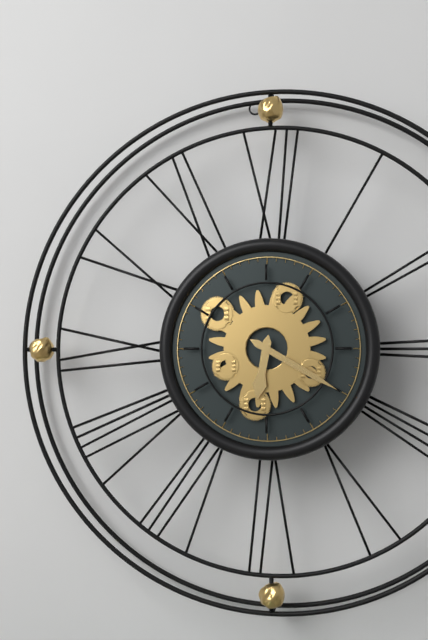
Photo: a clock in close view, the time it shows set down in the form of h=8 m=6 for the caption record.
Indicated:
h=6 m=20
